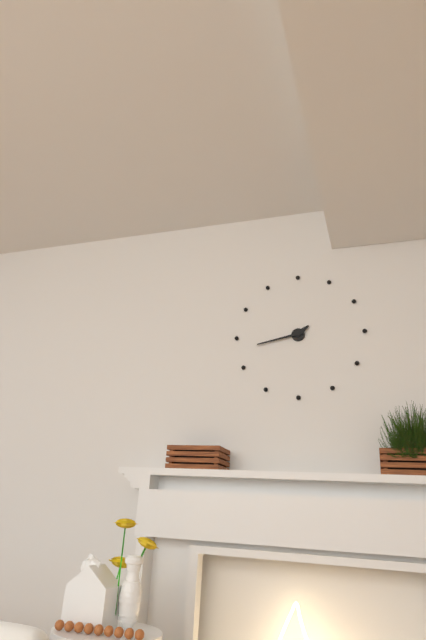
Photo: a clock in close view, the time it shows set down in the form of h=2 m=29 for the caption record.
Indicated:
h=1 m=43
